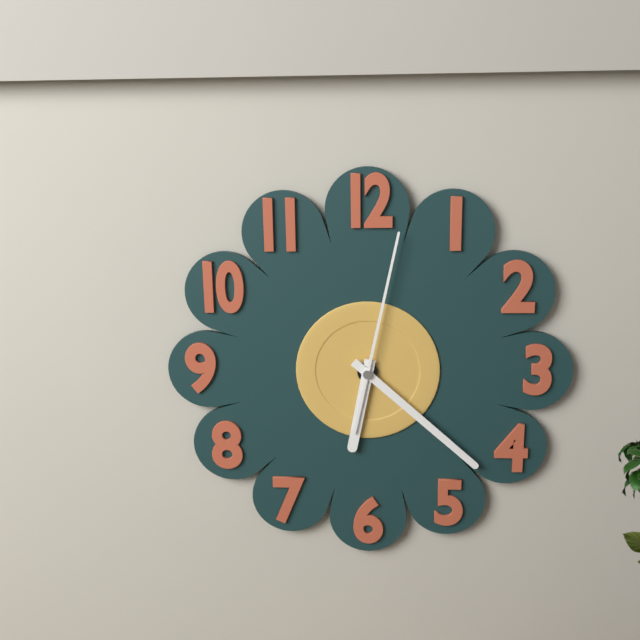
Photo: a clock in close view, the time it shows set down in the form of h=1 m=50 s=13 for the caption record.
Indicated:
h=6 m=22 s=2
